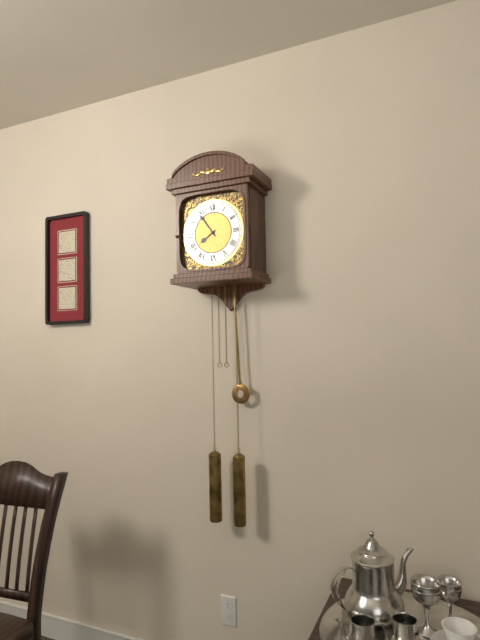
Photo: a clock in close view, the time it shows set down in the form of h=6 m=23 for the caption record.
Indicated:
h=7 m=54
